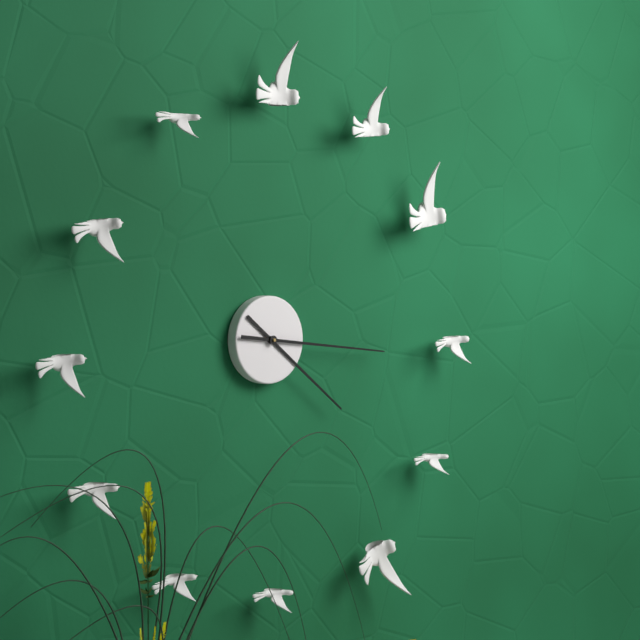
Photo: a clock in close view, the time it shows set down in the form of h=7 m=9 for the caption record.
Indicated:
h=4 m=16
